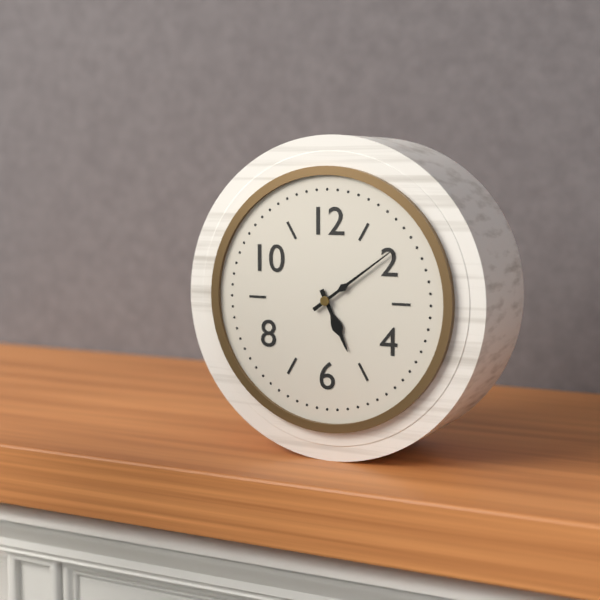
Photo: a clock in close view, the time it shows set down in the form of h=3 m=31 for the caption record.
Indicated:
h=5 m=9
